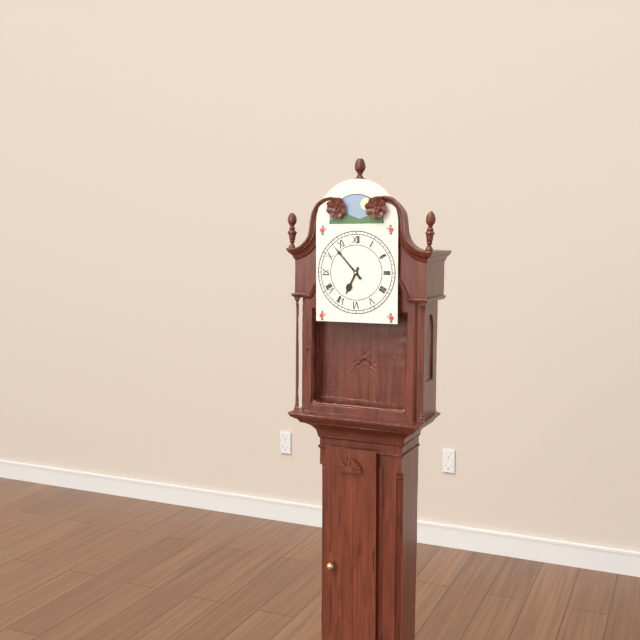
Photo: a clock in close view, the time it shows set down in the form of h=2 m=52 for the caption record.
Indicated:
h=6 m=53
